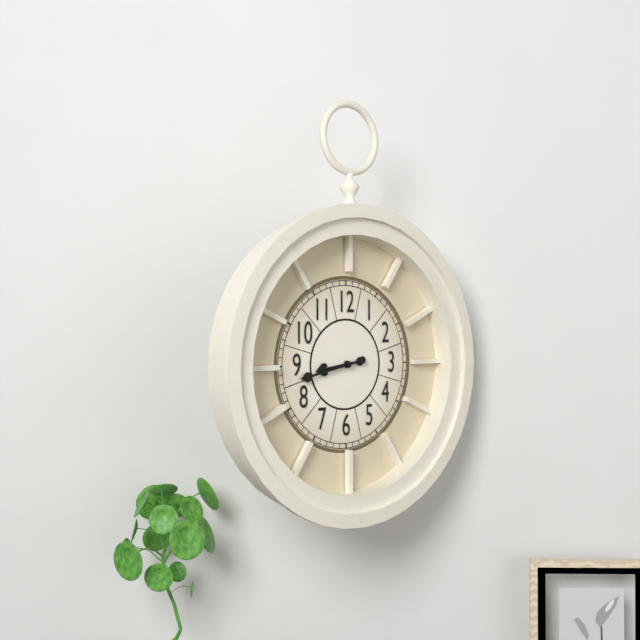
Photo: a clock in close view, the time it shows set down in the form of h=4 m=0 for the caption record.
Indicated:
h=8 m=43
